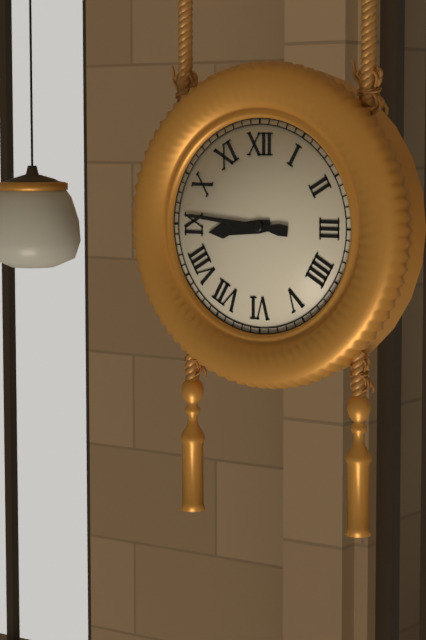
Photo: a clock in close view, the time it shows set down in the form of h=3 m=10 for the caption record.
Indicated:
h=8 m=46
